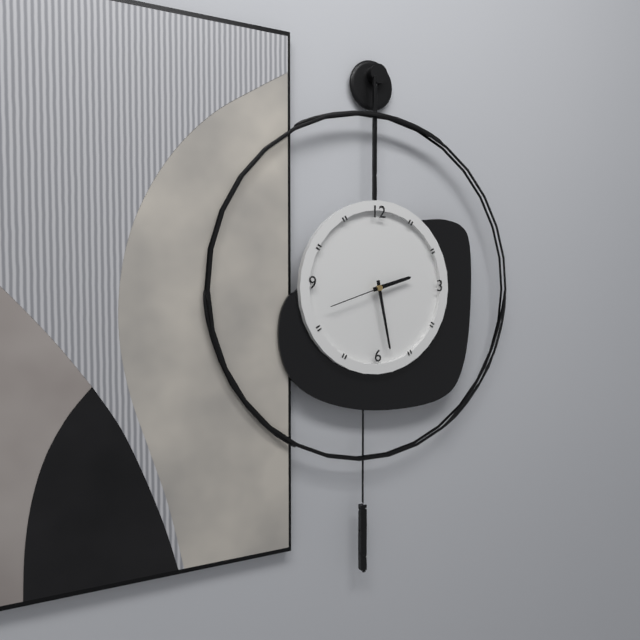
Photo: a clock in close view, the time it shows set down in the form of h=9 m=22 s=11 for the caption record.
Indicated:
h=2 m=28 s=42
